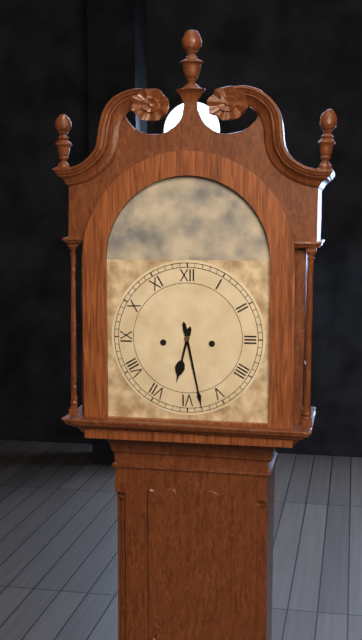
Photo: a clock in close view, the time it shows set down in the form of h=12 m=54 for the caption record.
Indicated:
h=6 m=28
